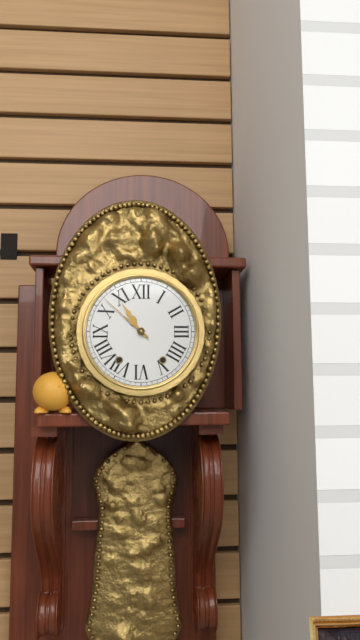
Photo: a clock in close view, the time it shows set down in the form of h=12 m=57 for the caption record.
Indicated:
h=10 m=52
